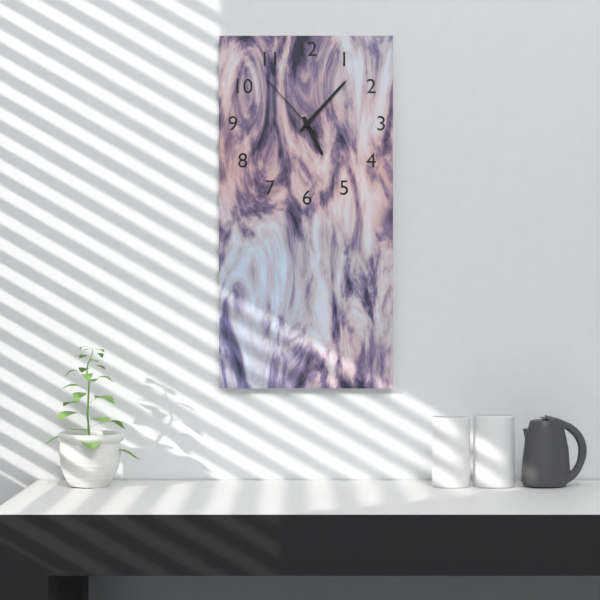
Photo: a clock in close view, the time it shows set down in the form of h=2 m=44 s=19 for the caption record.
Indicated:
h=5 m=7 s=53
